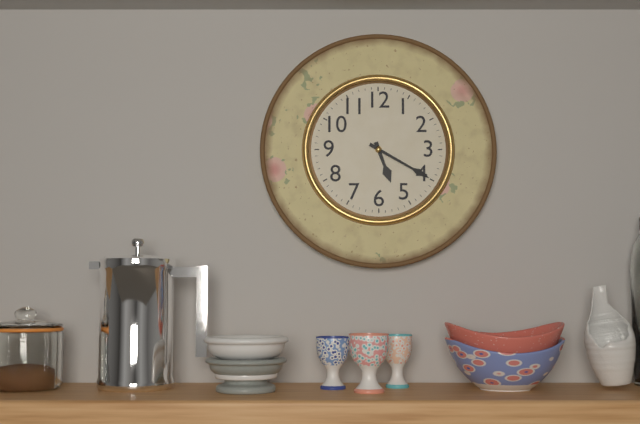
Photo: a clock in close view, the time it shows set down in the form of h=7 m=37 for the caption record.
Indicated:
h=5 m=20
